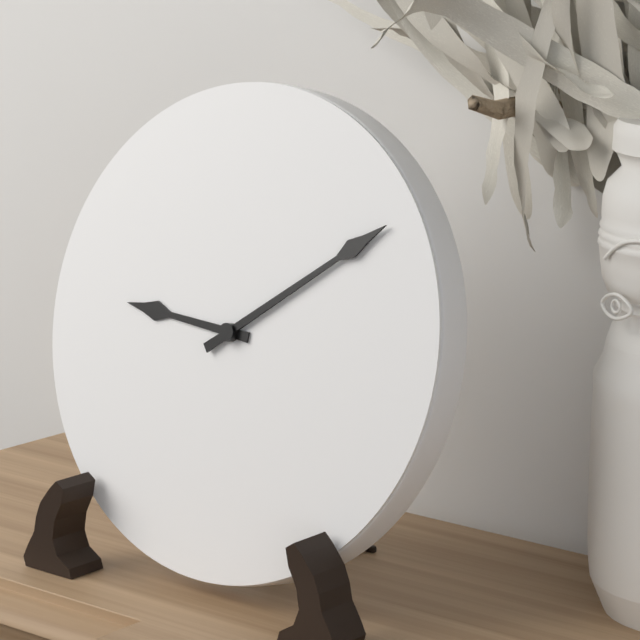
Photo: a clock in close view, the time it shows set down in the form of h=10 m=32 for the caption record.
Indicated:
h=9 m=9
